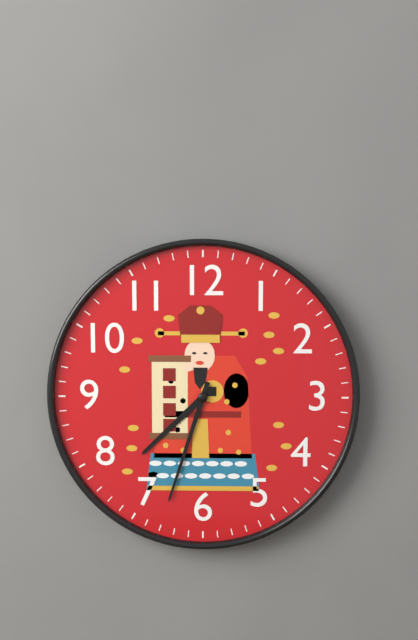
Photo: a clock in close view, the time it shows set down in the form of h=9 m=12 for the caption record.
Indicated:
h=7 m=33
